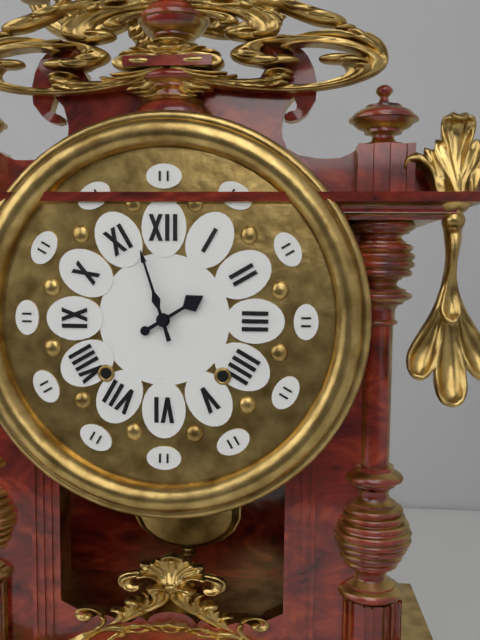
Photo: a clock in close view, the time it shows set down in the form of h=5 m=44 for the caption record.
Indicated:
h=1 m=57
